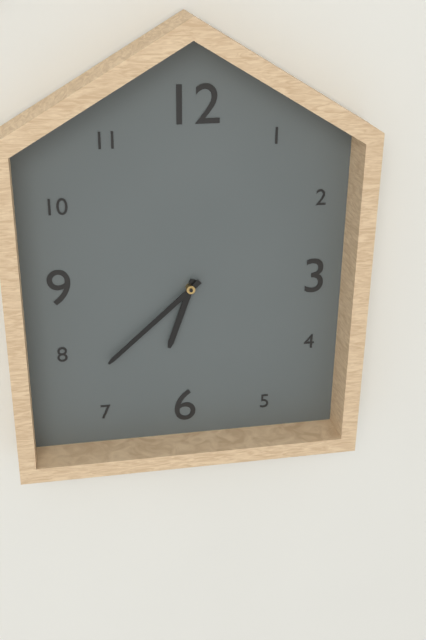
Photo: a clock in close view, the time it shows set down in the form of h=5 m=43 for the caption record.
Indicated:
h=6 m=38
